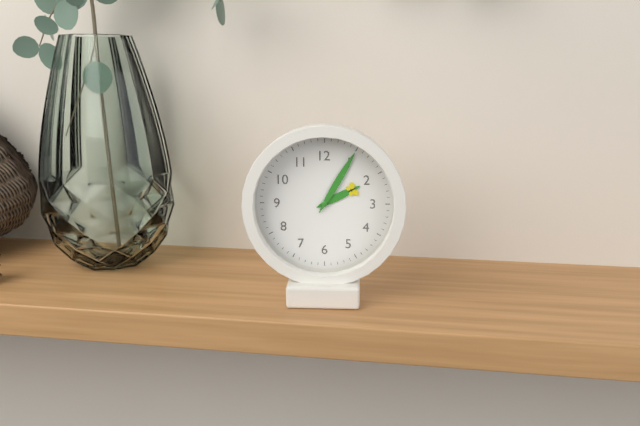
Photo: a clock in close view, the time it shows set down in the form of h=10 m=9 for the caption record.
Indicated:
h=2 m=5
